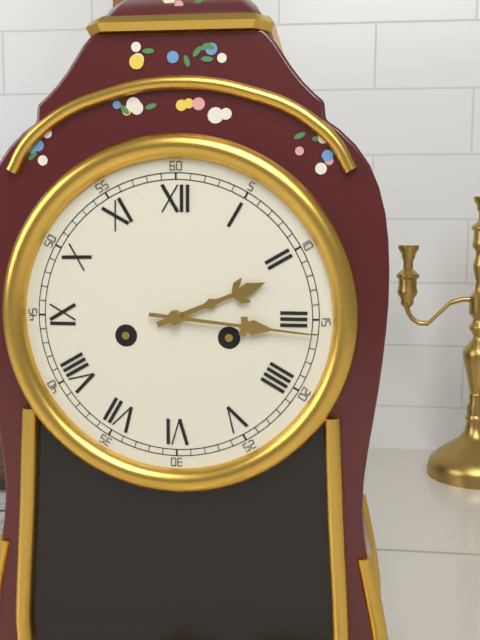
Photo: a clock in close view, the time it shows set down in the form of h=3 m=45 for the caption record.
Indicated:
h=2 m=16
